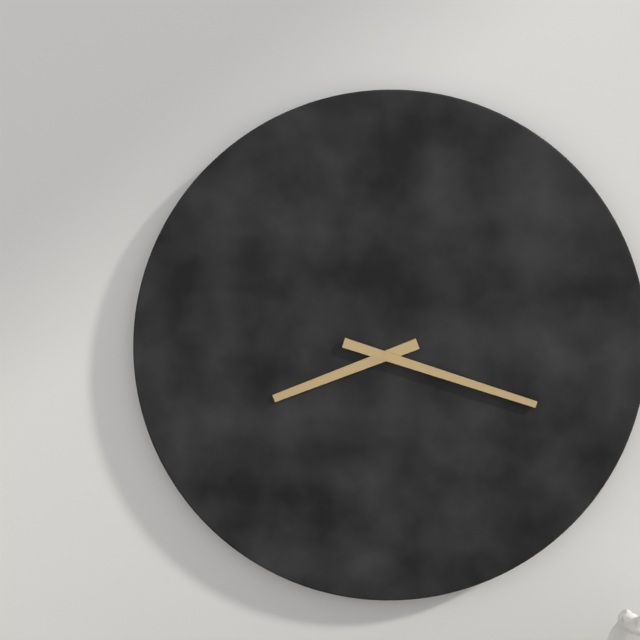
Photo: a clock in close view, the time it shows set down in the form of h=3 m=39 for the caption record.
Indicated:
h=8 m=18
